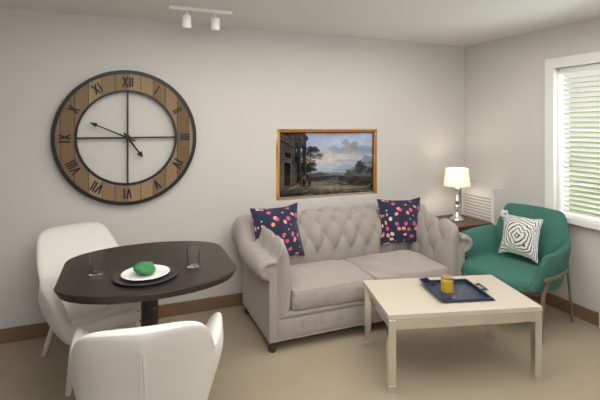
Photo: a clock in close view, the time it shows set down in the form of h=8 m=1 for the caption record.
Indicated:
h=4 m=49
